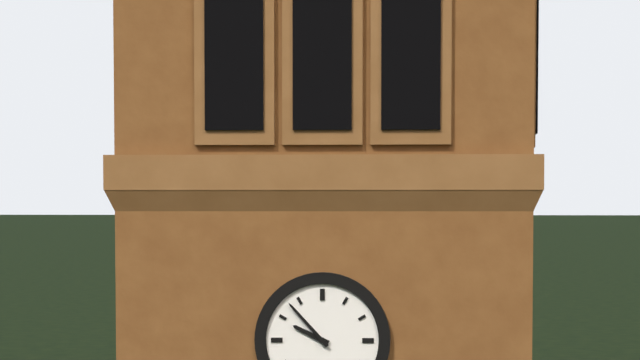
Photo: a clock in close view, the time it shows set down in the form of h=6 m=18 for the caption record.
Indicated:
h=9 m=53
